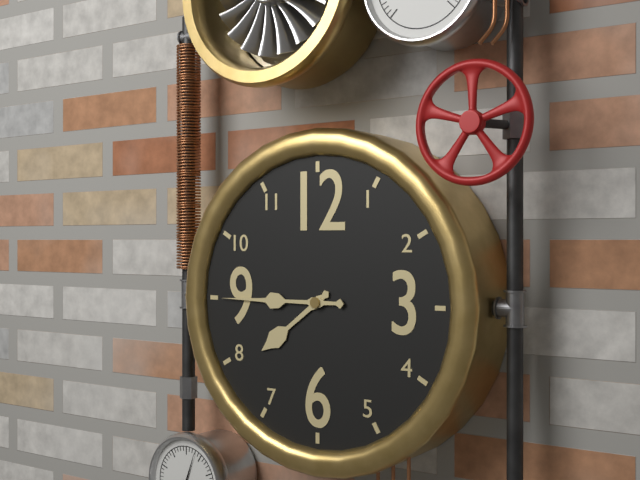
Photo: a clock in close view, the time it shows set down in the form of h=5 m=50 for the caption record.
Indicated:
h=7 m=45
